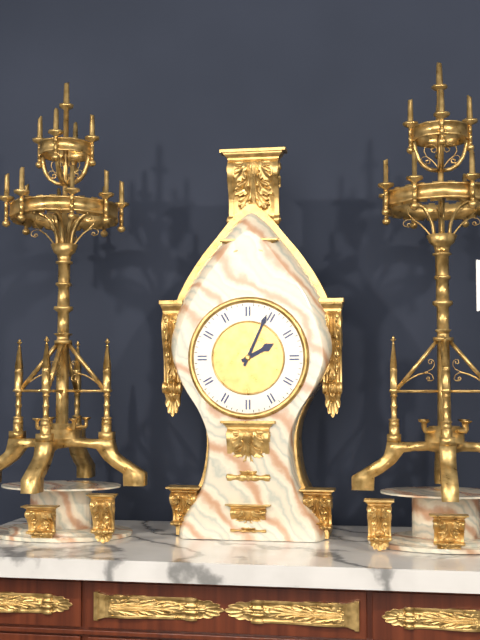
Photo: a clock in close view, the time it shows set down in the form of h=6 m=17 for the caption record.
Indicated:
h=2 m=4
